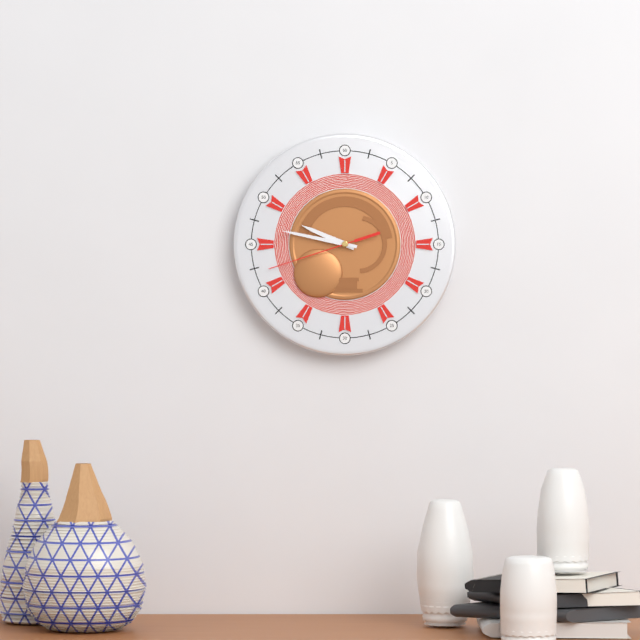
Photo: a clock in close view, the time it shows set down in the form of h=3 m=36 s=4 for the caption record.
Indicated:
h=9 m=47 s=42
